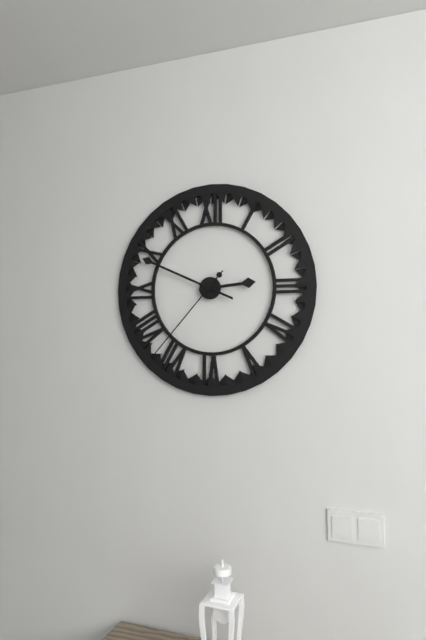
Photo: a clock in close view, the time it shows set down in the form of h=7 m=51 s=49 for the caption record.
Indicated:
h=2 m=49 s=37
